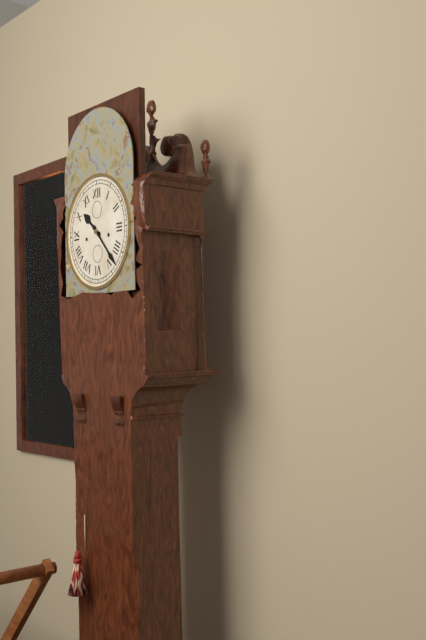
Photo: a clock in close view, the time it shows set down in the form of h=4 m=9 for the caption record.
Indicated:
h=10 m=23
